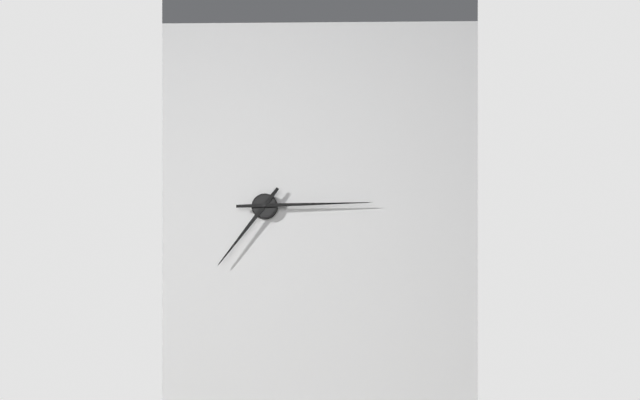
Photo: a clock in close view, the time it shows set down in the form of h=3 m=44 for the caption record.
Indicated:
h=7 m=15
